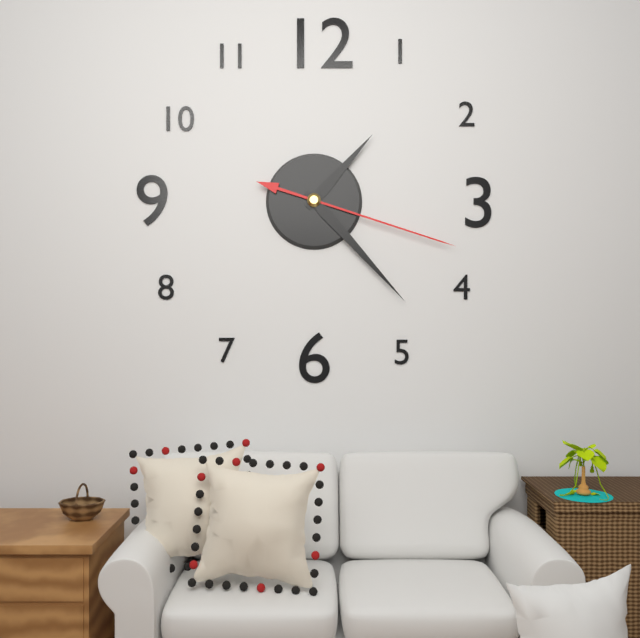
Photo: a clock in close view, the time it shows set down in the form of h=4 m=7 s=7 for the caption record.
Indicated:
h=1 m=23 s=18
